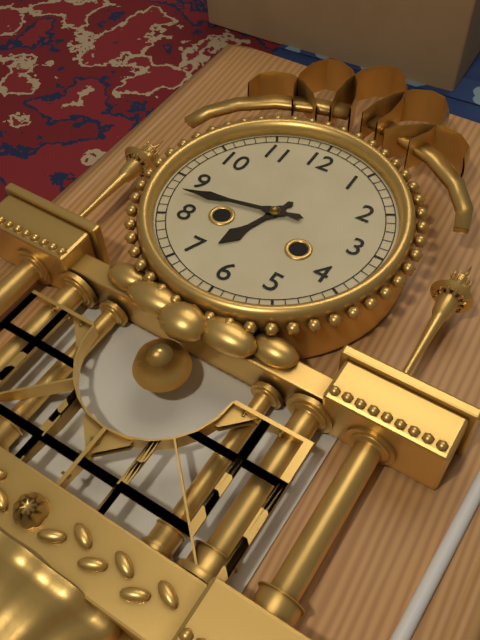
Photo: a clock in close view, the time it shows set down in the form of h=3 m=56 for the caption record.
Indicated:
h=6 m=43
